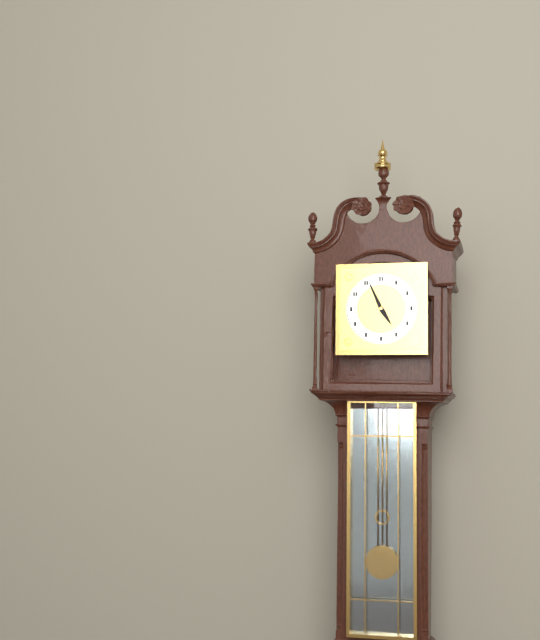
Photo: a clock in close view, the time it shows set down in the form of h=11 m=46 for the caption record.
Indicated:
h=4 m=56
